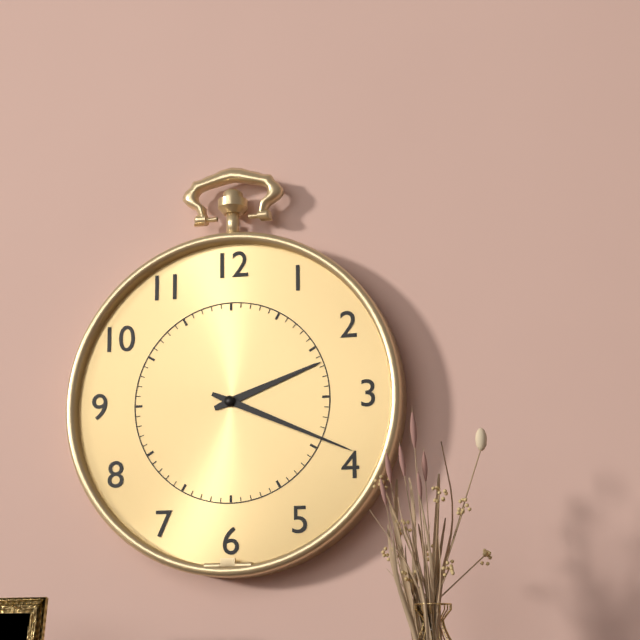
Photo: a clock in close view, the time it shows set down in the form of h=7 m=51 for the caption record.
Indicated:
h=2 m=19
